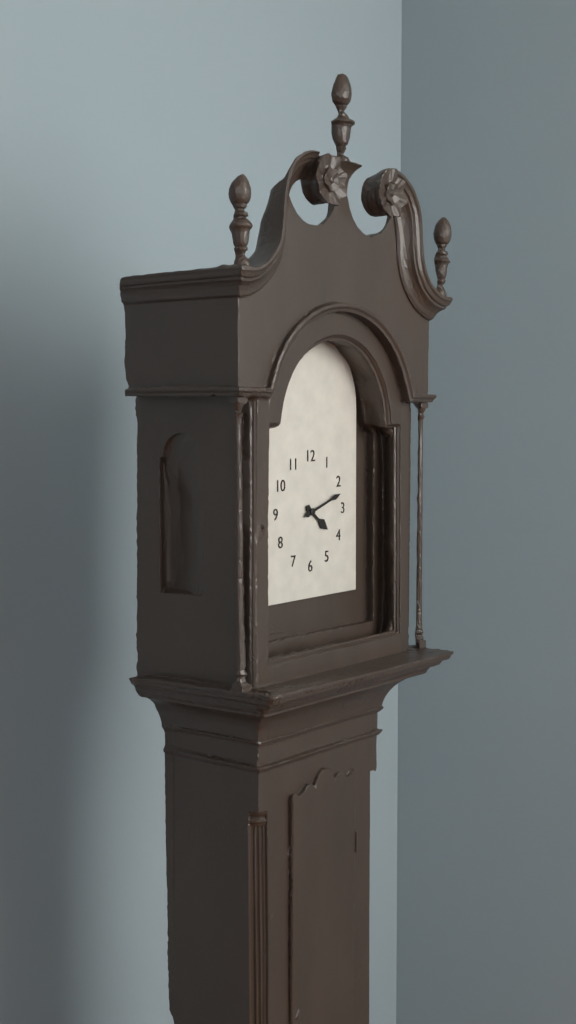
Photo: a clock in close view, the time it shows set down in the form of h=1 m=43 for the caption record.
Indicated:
h=4 m=12
